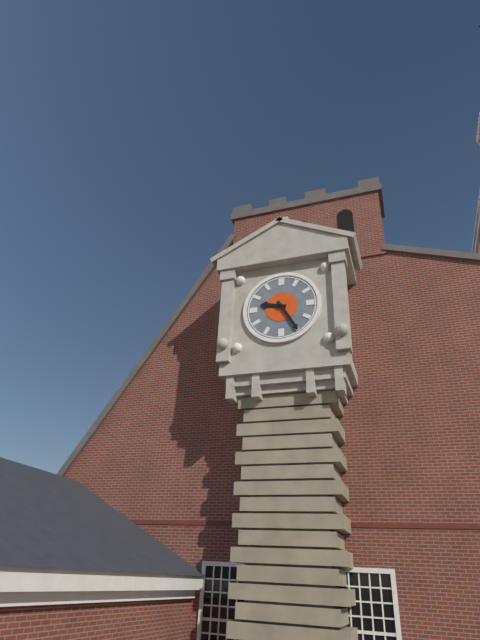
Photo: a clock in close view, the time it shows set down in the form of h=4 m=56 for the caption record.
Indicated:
h=9 m=25
